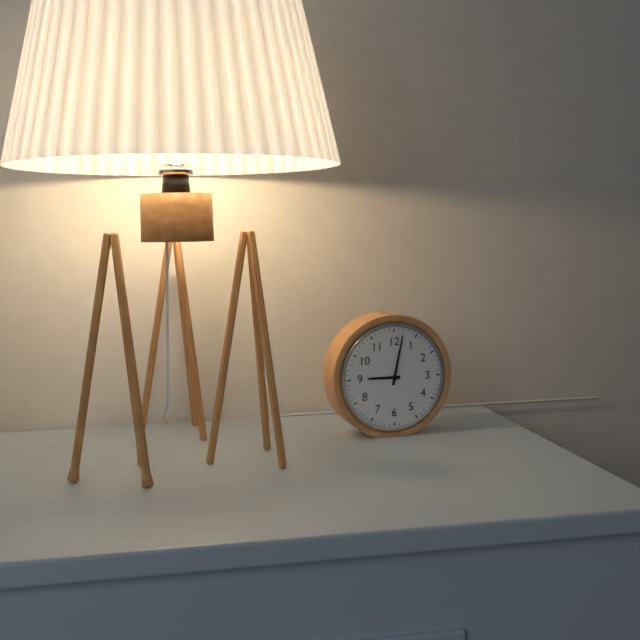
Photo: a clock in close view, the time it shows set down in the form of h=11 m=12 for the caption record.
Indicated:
h=9 m=2
